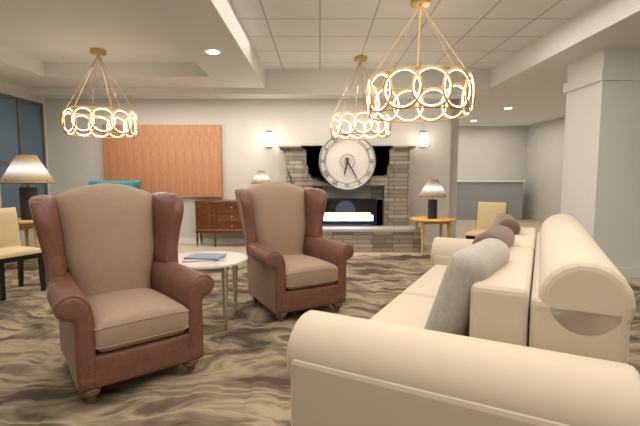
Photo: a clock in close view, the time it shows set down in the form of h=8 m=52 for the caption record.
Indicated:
h=6 m=25
